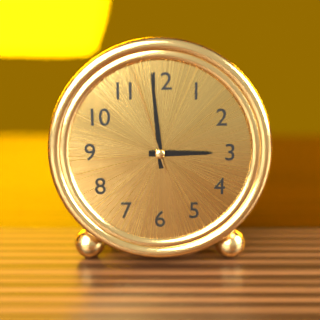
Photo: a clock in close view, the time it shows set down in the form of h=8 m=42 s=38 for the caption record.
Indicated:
h=2 m=59 s=57
